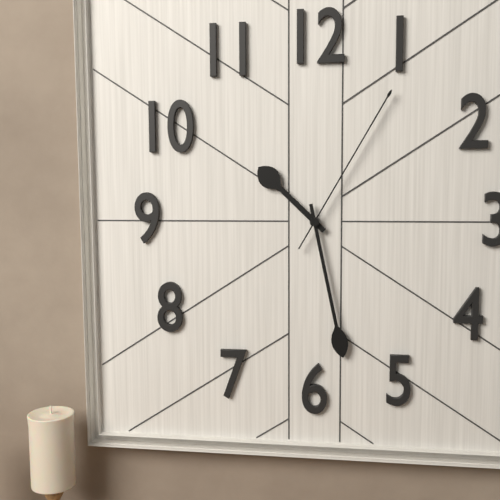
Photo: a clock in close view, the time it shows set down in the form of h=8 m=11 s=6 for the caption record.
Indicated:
h=10 m=28 s=5
